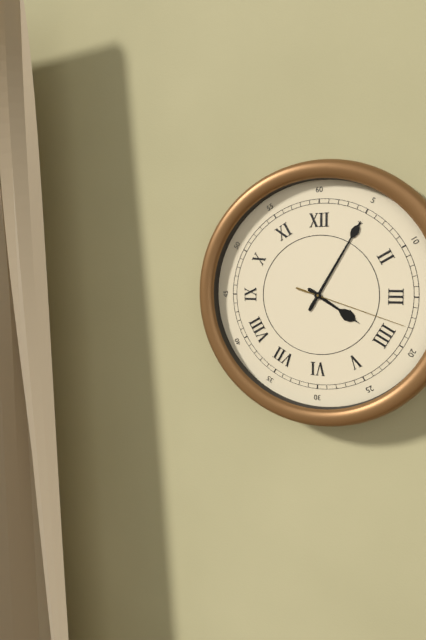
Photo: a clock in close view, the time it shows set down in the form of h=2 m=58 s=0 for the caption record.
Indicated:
h=4 m=5 s=18
